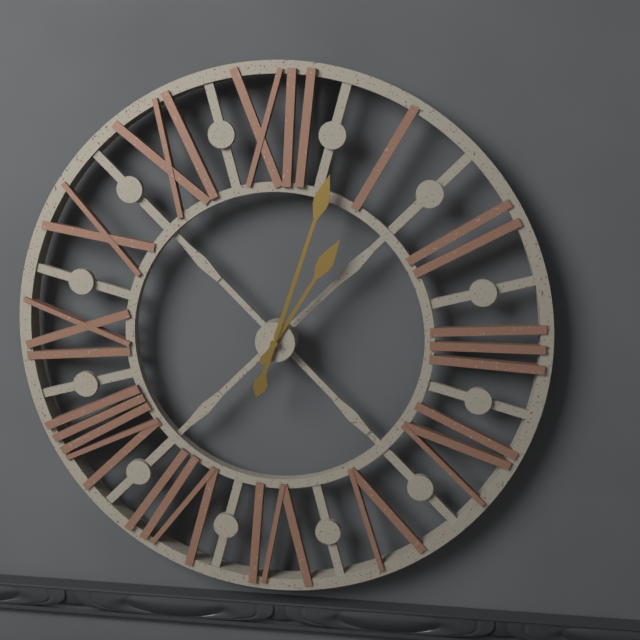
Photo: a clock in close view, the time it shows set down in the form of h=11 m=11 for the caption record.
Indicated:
h=1 m=3
